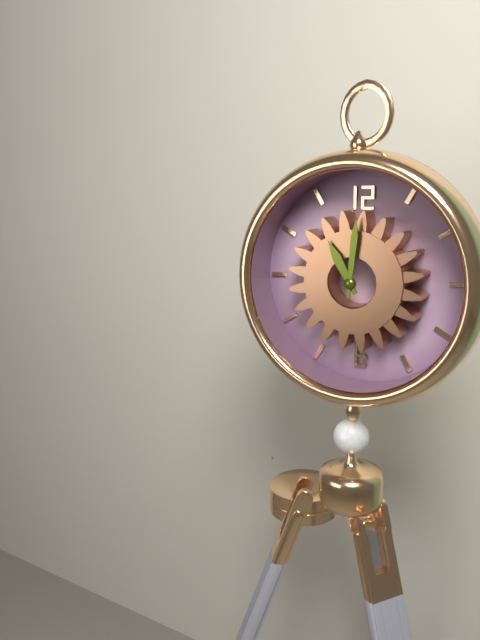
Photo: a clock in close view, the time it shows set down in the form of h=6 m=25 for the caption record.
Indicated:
h=11 m=1
